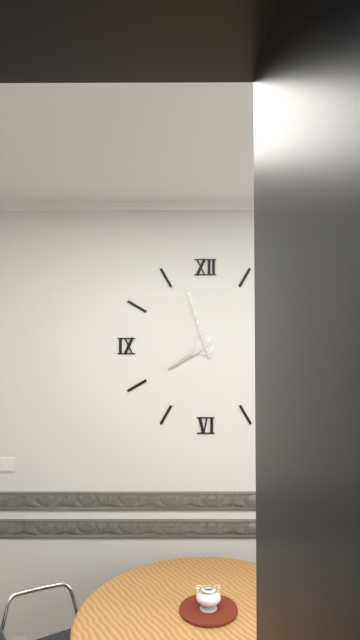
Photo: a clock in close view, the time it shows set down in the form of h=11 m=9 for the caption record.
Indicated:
h=7 m=57
